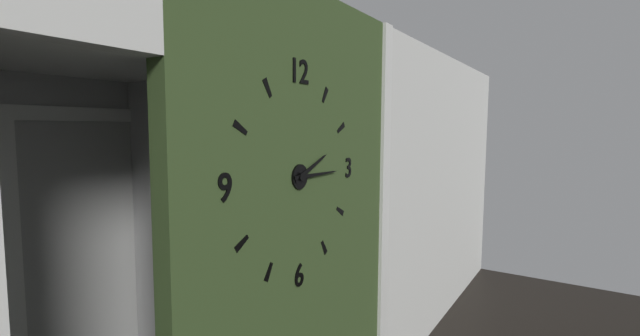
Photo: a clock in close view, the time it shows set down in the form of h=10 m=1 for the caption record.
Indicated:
h=2 m=15
